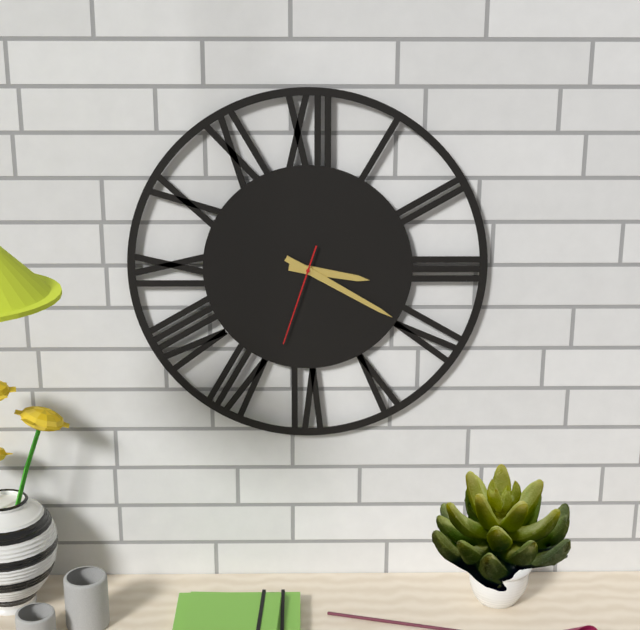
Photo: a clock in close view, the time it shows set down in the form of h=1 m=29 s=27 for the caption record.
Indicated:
h=3 m=20 s=33
